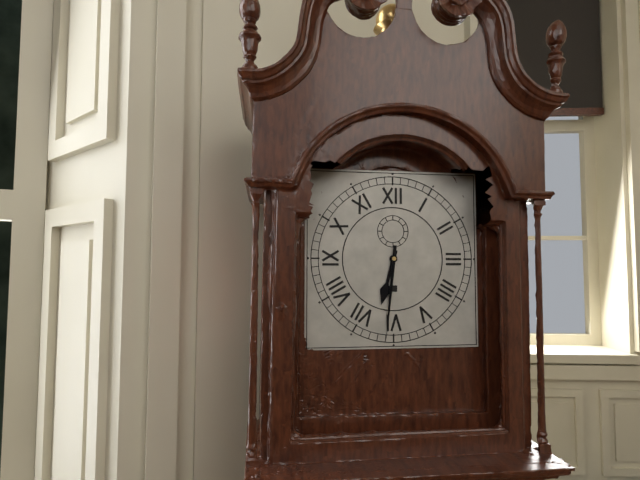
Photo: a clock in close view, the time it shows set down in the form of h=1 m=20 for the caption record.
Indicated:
h=6 m=31
